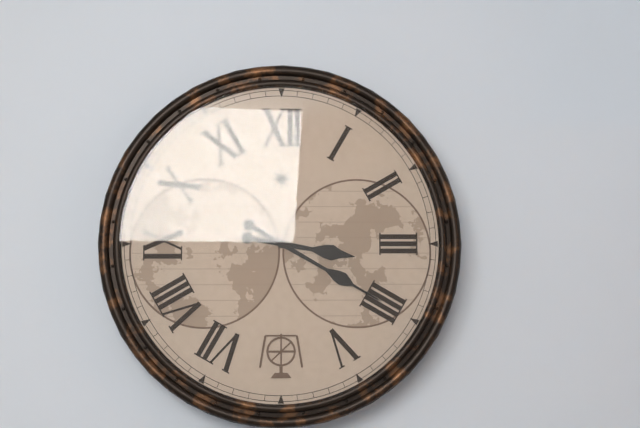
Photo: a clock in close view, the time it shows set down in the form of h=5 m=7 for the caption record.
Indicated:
h=3 m=20
